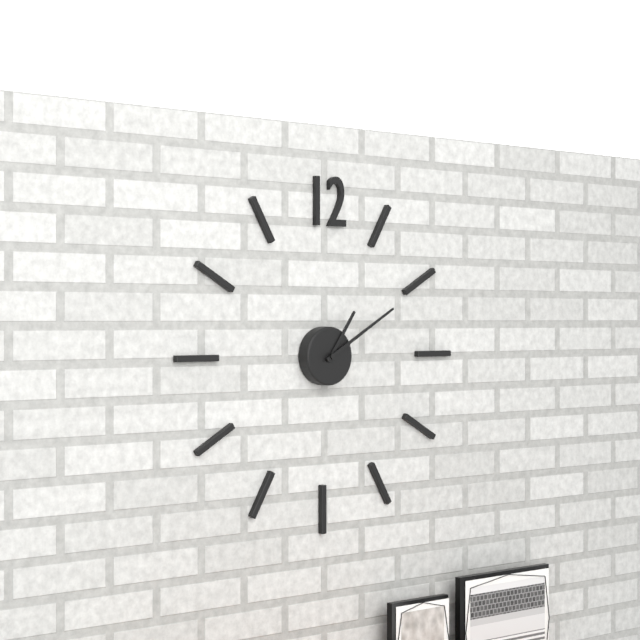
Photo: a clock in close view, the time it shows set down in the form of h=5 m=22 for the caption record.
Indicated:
h=1 m=10
